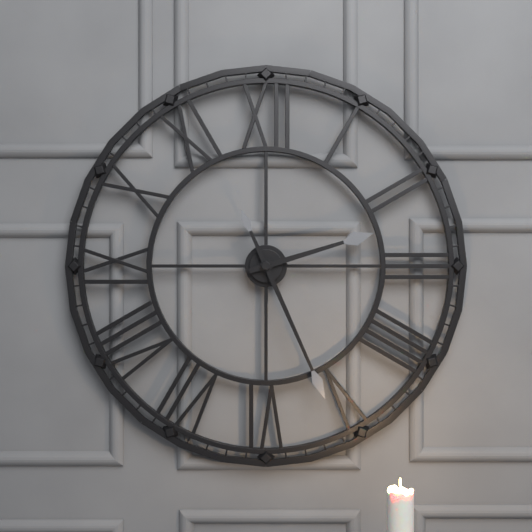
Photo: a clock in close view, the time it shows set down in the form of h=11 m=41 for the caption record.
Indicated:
h=2 m=26
